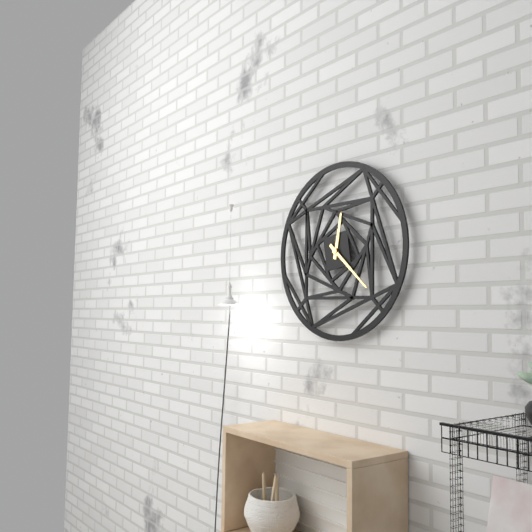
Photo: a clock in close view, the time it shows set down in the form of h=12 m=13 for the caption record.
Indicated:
h=12 m=22
